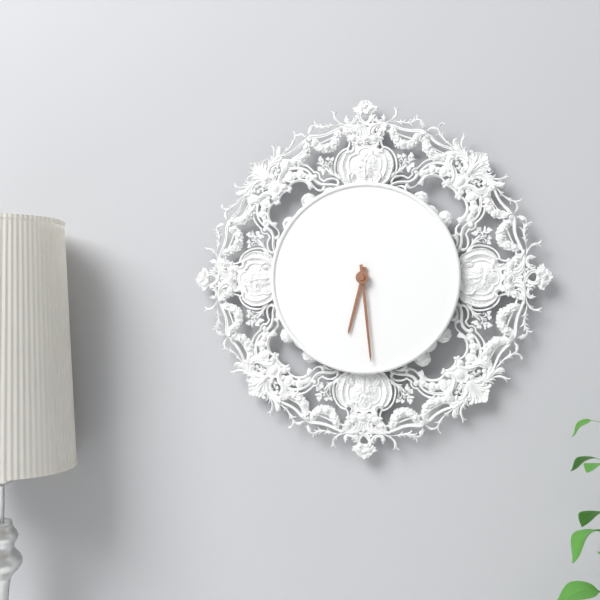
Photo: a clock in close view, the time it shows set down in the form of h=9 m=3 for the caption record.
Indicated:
h=6 m=29
